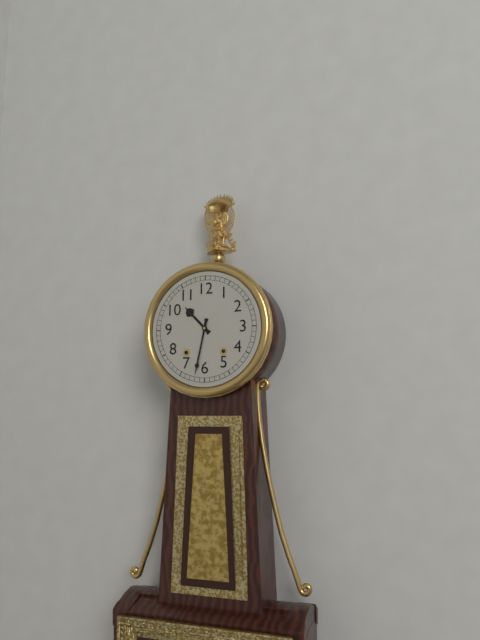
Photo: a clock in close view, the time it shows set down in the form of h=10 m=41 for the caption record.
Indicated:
h=10 m=32
